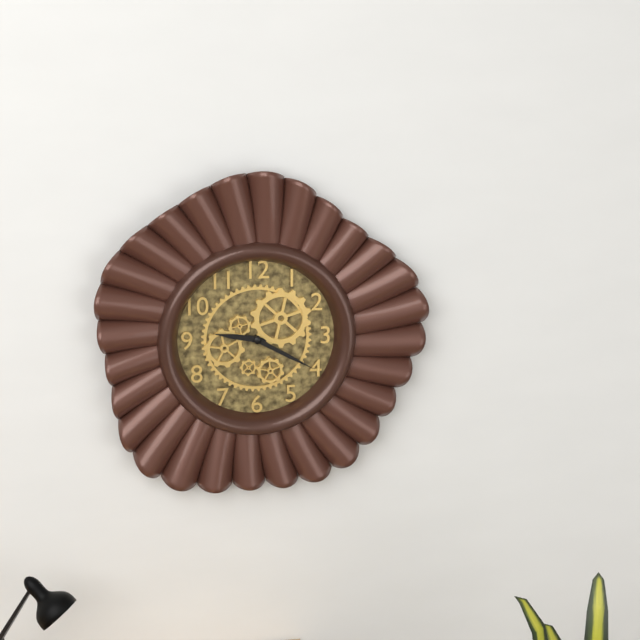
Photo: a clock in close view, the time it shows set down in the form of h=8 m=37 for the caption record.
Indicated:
h=9 m=20
